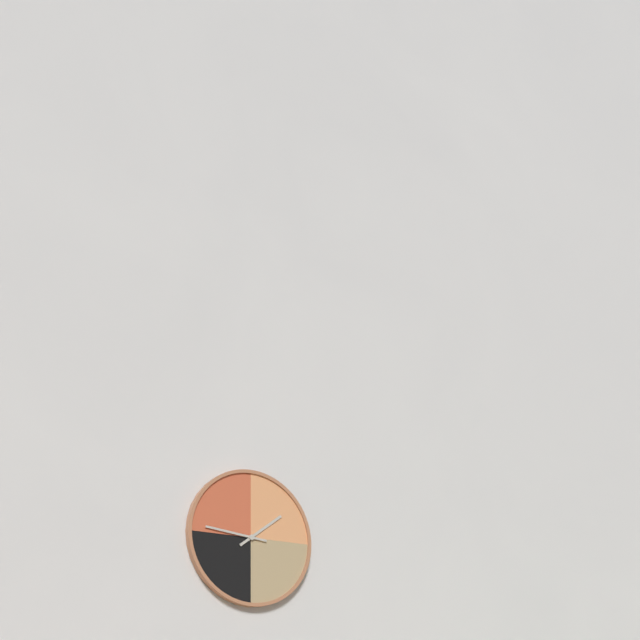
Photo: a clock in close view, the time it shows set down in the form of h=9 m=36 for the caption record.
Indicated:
h=1 m=46
